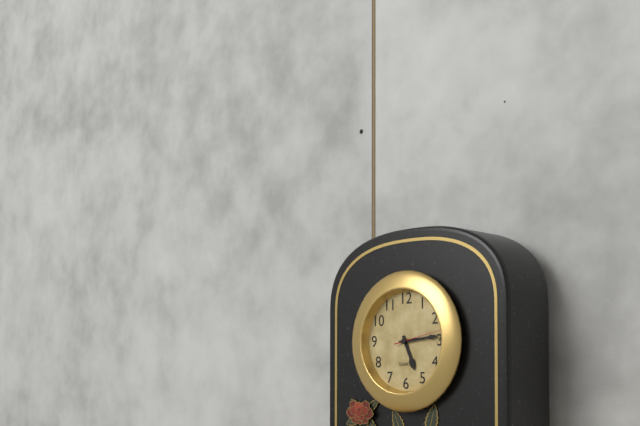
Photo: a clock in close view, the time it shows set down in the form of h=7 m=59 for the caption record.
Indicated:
h=5 m=14
